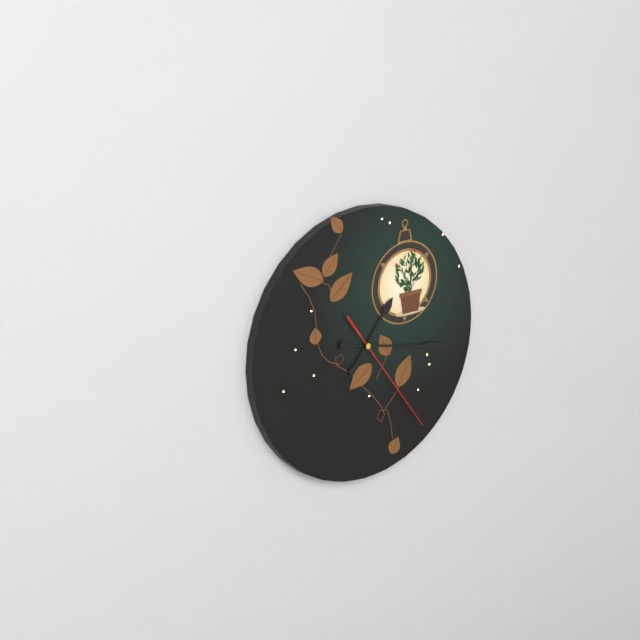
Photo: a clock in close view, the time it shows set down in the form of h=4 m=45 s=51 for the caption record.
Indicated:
h=1 m=17 s=24
